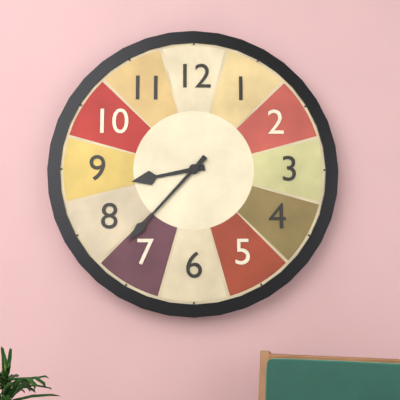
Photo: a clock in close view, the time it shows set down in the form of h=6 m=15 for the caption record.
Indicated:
h=8 m=37
